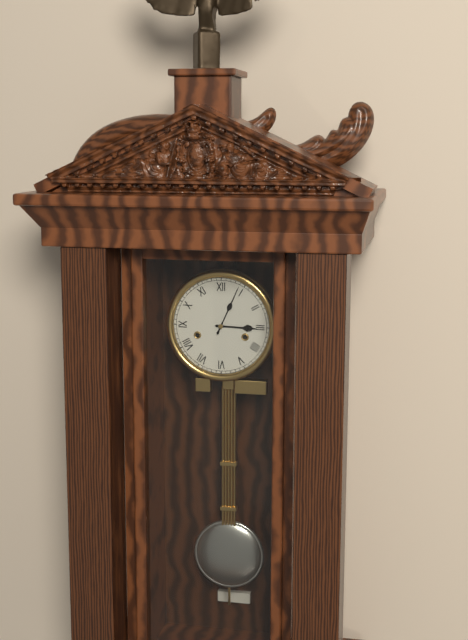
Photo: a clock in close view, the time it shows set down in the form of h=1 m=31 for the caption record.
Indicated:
h=3 m=4
